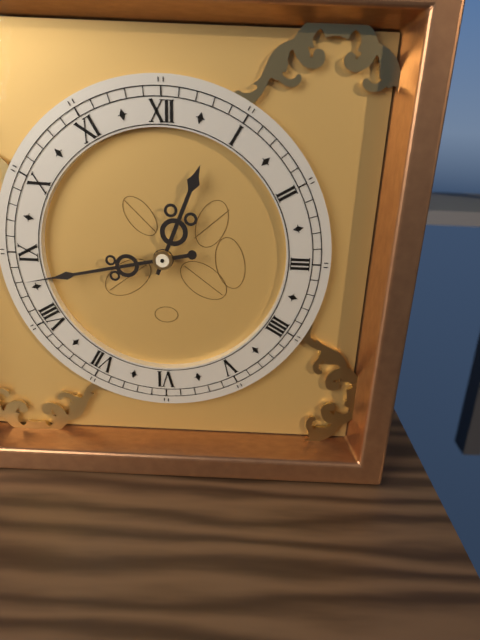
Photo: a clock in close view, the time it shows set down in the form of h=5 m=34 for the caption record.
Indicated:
h=12 m=43
